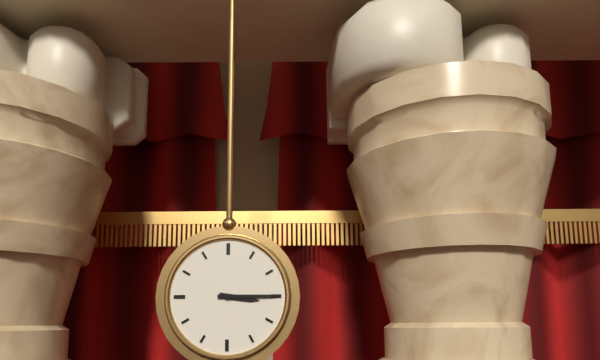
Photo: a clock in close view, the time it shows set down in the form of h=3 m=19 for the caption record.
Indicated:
h=3 m=15
